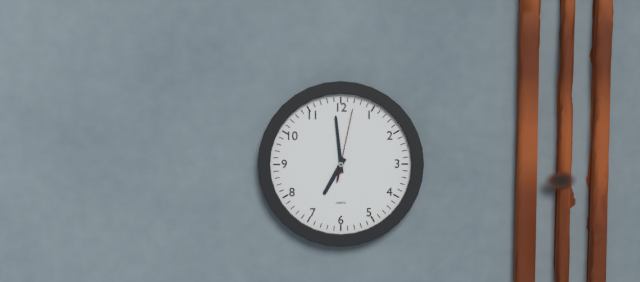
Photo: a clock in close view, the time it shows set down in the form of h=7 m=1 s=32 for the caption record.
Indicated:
h=6 m=59 s=2
